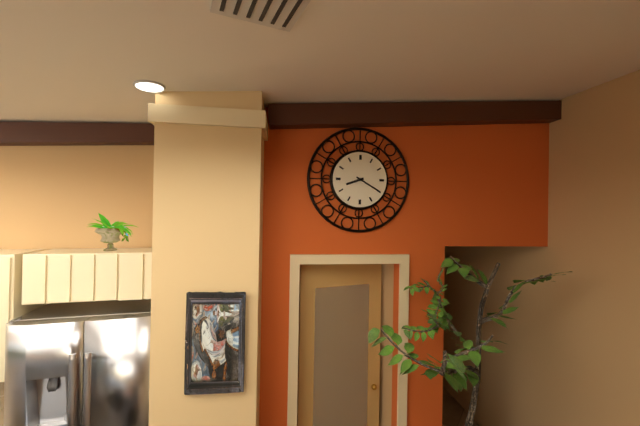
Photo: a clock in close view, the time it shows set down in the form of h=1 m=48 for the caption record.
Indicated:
h=8 m=20
